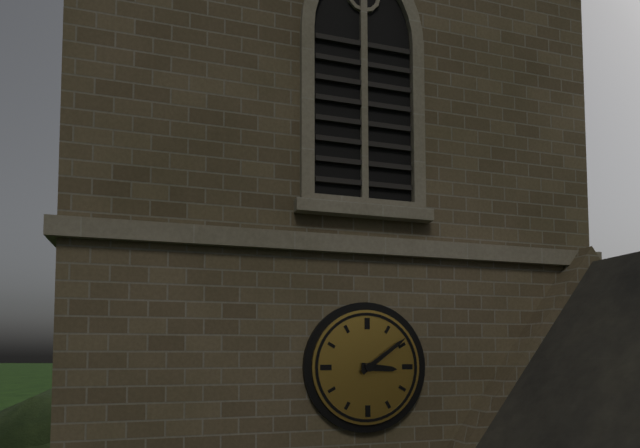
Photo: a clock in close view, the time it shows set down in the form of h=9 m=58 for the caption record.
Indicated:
h=3 m=9
